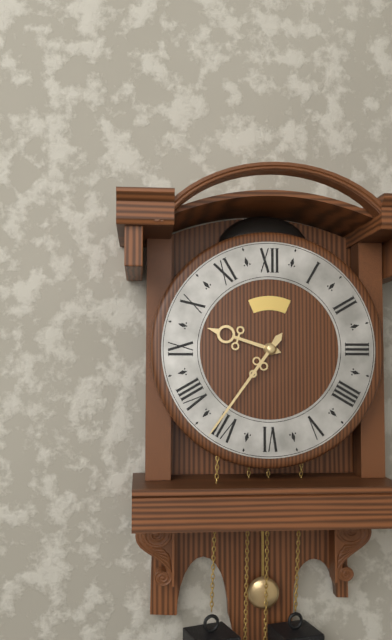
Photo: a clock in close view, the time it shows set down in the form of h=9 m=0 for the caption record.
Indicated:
h=9 m=36
